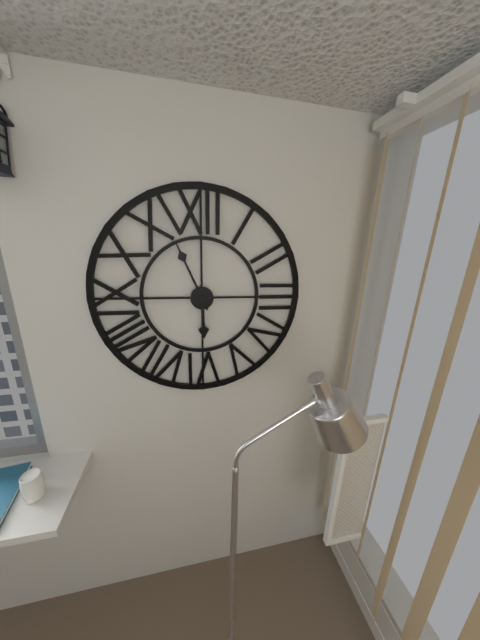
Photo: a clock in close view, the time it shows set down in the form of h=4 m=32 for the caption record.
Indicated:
h=5 m=56
